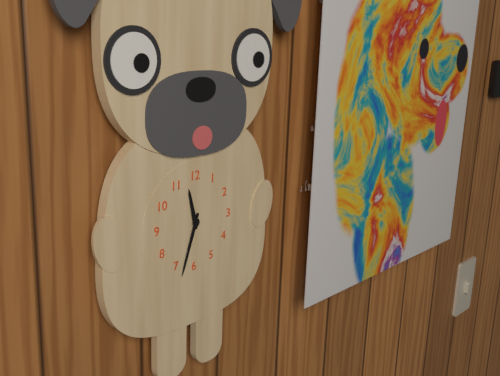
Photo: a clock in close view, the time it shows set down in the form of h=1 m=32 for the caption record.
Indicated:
h=11 m=33
